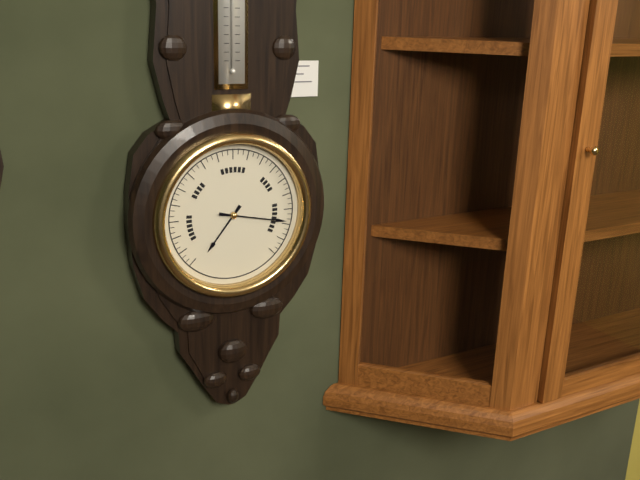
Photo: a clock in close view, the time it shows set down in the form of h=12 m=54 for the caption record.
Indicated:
h=7 m=17
